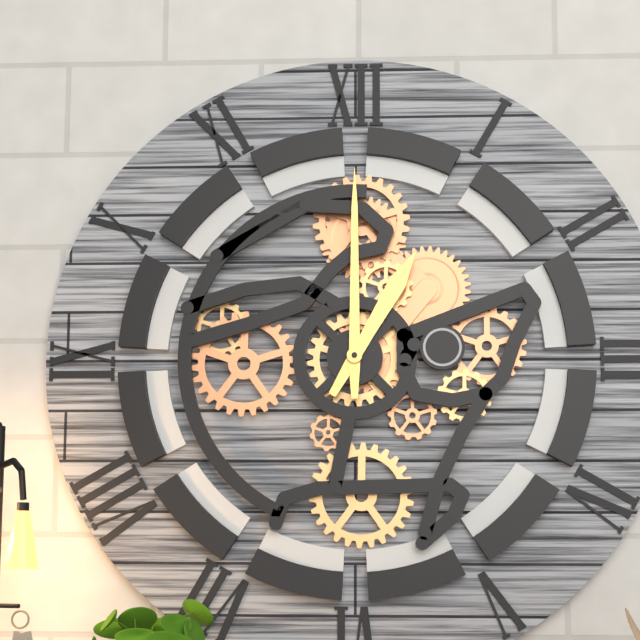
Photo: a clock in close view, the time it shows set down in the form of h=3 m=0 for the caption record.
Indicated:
h=1 m=0
